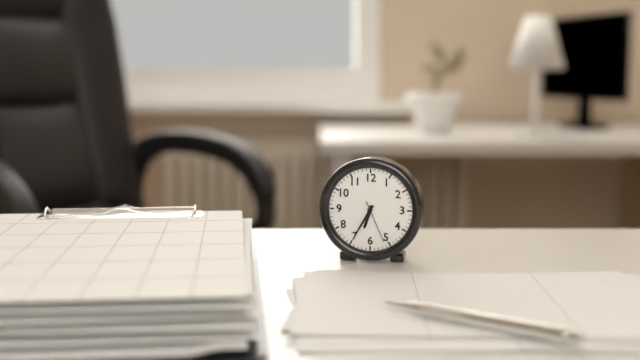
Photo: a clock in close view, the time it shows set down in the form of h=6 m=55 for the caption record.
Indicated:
h=6 m=35
